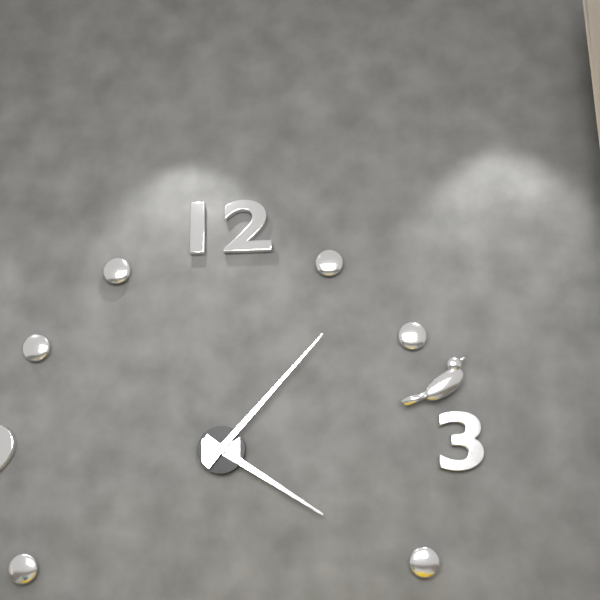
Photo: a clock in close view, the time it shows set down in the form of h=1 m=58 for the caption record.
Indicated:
h=4 m=7
